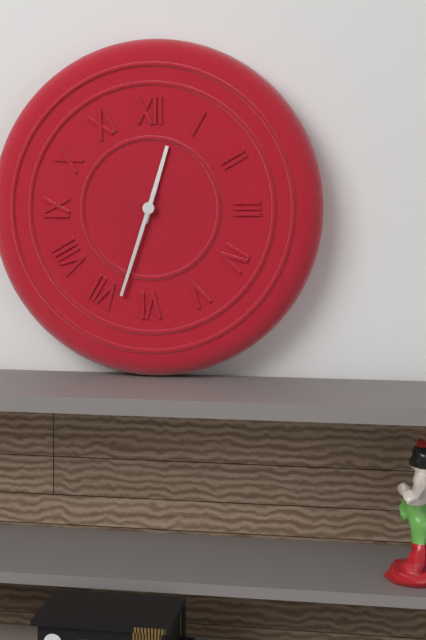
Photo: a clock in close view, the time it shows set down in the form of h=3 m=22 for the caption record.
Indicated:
h=12 m=33
